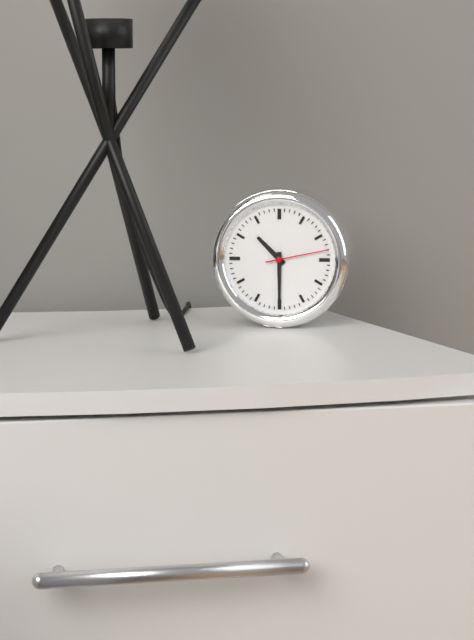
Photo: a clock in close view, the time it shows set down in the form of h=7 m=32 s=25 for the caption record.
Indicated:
h=10 m=30 s=13
